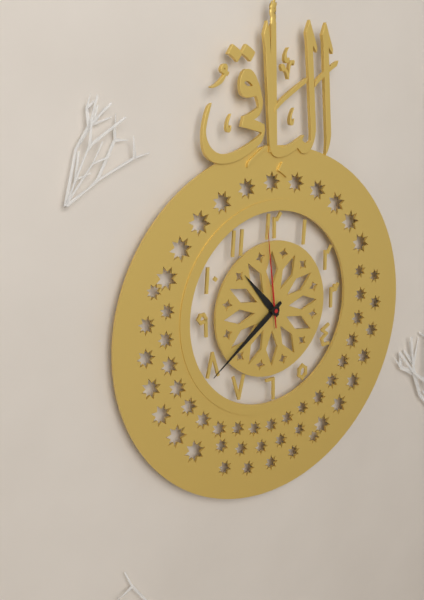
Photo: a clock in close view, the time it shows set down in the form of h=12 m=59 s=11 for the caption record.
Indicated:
h=10 m=39 s=59
